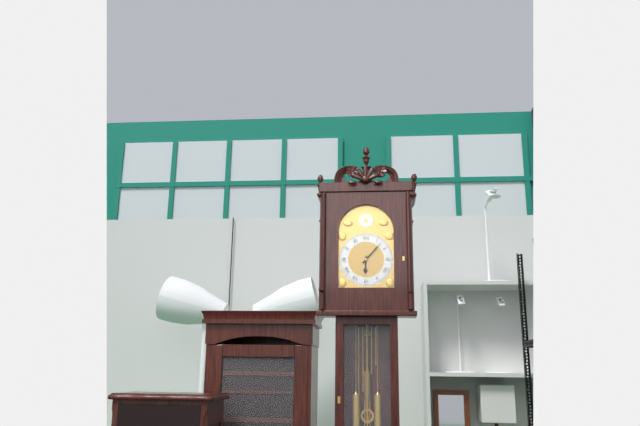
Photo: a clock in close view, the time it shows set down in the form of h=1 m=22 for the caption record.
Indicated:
h=6 m=7
